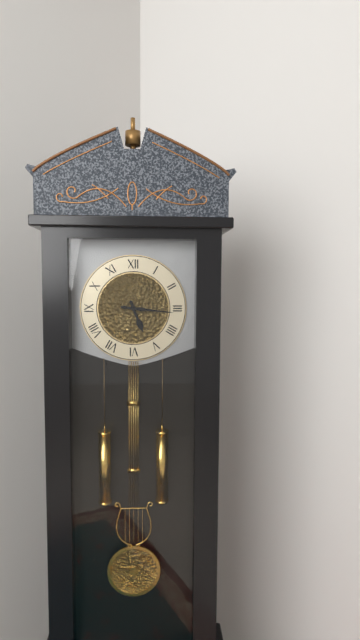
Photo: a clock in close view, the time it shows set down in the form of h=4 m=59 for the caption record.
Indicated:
h=5 m=16
